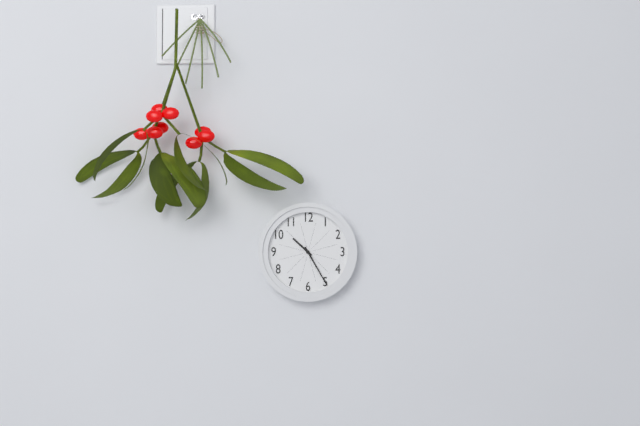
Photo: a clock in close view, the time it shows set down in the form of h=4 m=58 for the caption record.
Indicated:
h=10 m=25
